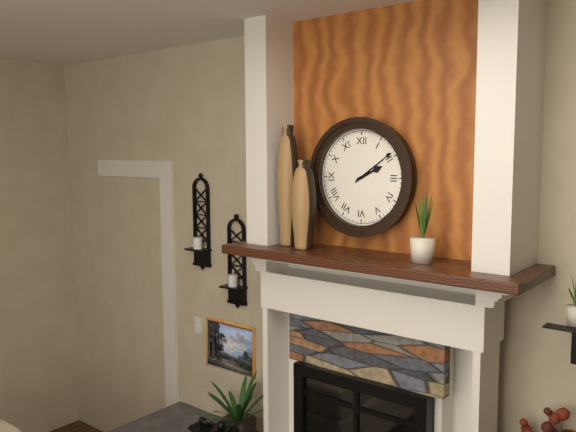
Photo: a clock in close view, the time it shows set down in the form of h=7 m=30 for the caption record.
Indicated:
h=2 m=9
